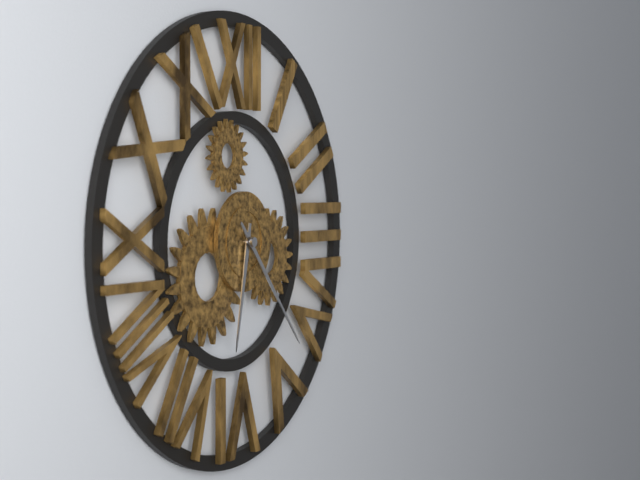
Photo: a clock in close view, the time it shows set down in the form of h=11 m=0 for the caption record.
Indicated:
h=6 m=23
